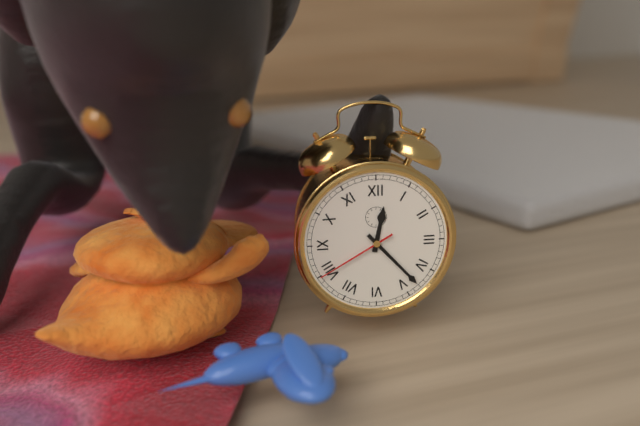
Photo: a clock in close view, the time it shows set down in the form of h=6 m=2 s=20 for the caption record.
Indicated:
h=12 m=23 s=40
